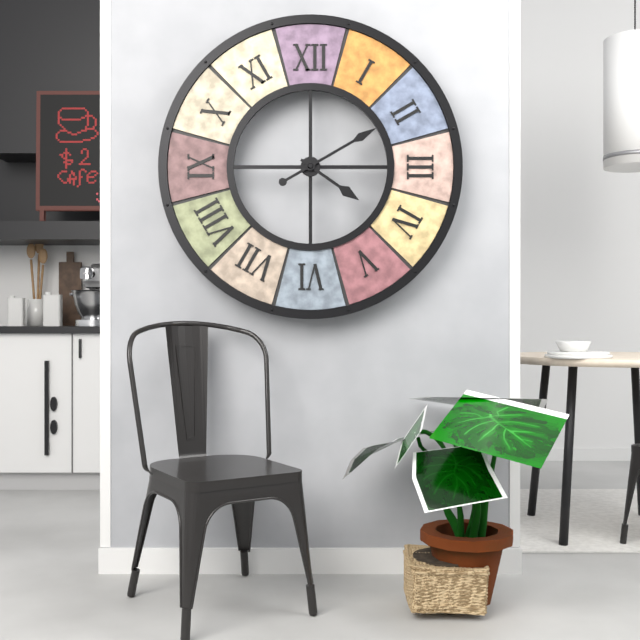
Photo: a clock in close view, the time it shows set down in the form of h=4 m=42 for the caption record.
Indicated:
h=4 m=10
